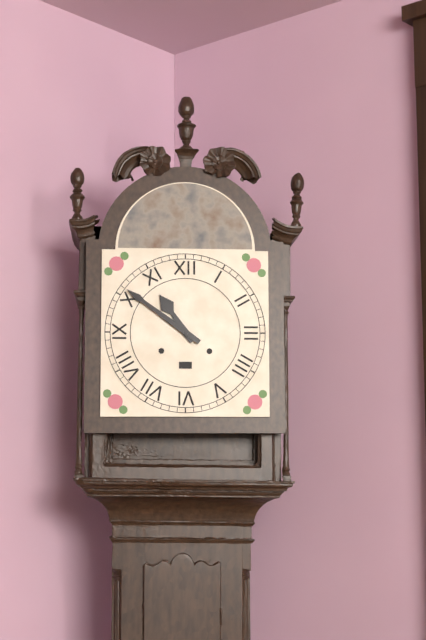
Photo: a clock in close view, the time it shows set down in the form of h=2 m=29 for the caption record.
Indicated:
h=10 m=51
